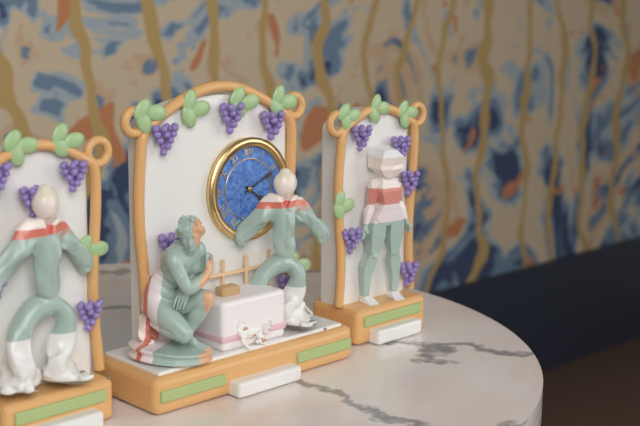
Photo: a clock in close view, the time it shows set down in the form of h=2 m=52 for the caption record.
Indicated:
h=4 m=11
